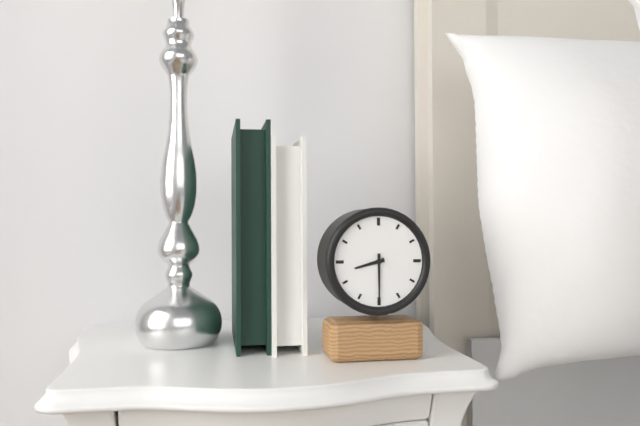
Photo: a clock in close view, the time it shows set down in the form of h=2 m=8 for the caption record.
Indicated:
h=8 m=30
